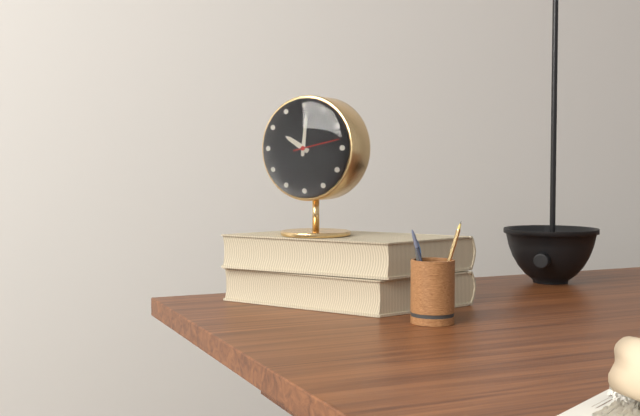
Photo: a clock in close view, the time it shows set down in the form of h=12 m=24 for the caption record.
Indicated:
h=10 m=1
